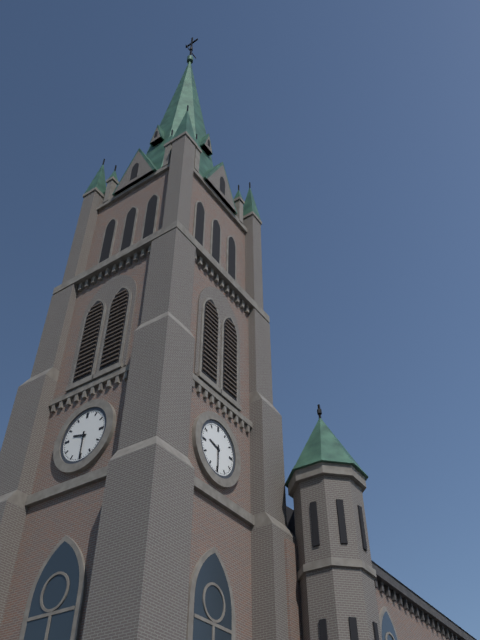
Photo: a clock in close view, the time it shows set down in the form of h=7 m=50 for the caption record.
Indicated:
h=9 m=30
